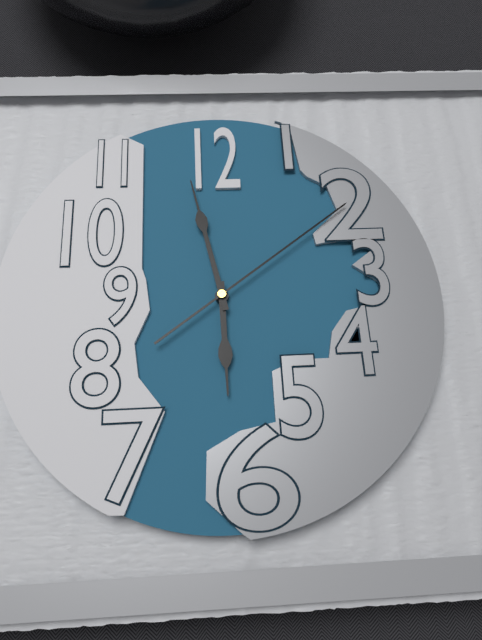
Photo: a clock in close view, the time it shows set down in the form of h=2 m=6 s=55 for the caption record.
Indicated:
h=5 m=58 s=9
